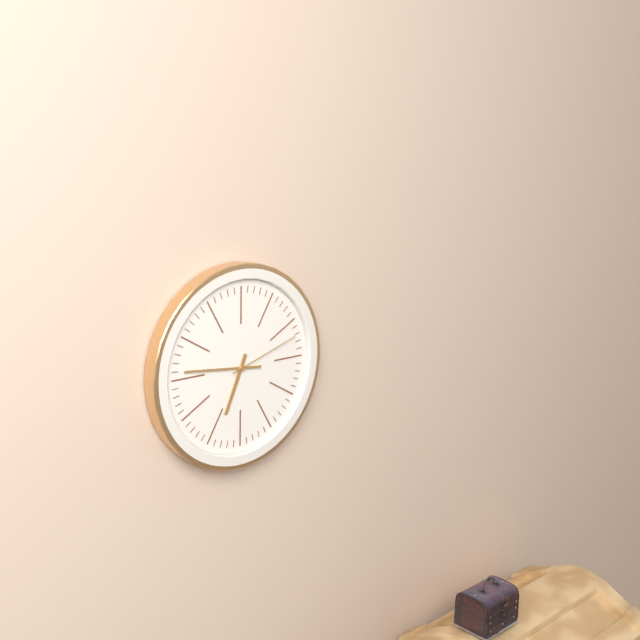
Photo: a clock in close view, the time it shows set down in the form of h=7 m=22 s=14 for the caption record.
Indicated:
h=6 m=46 s=12
